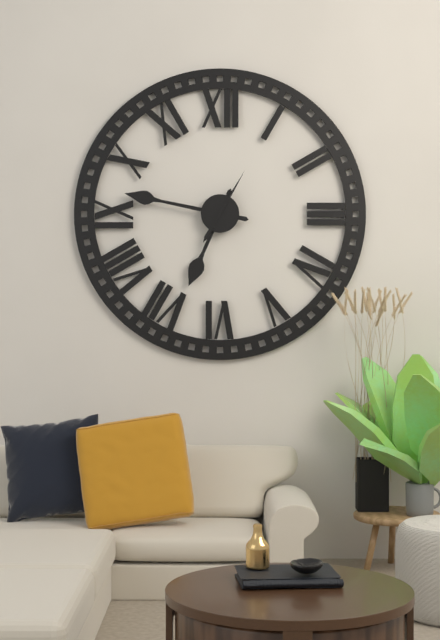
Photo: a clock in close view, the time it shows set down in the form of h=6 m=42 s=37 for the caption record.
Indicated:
h=6 m=47 s=5
